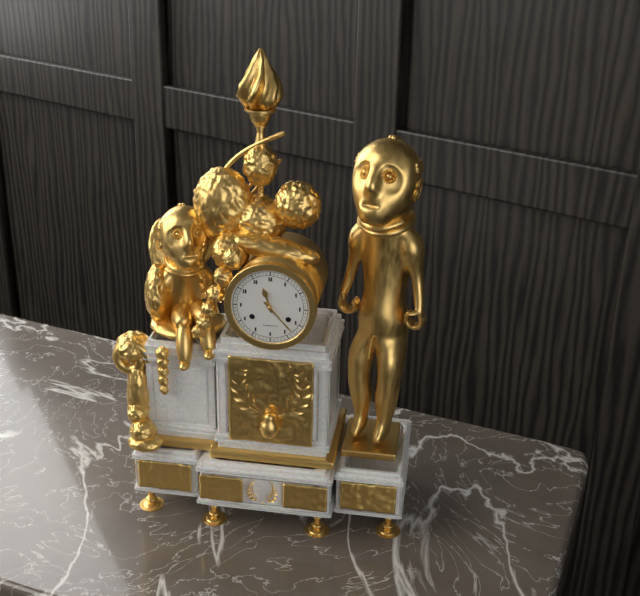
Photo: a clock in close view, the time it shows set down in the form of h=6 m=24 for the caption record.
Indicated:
h=11 m=23
